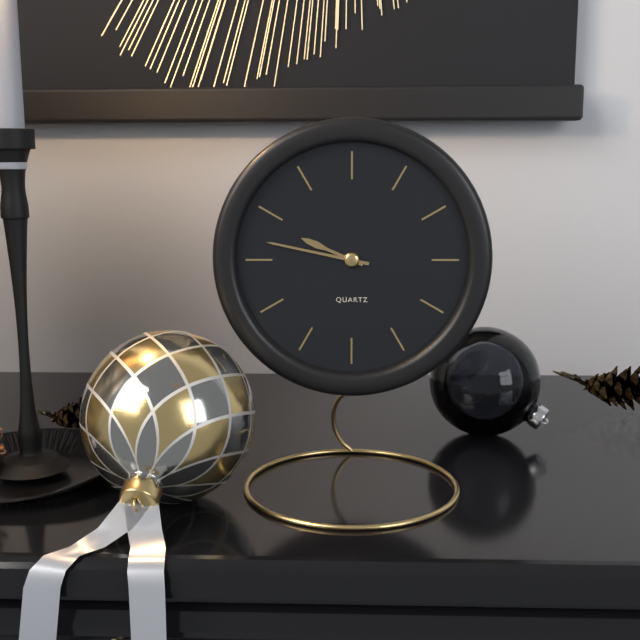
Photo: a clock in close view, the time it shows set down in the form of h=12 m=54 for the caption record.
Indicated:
h=9 m=47
